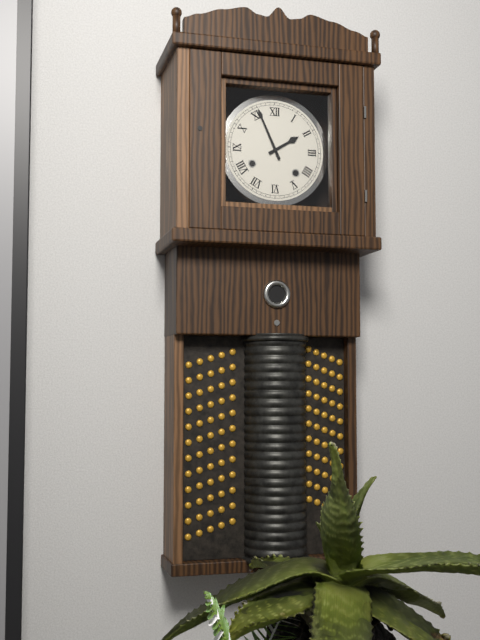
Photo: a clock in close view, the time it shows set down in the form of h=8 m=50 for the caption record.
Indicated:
h=1 m=56
